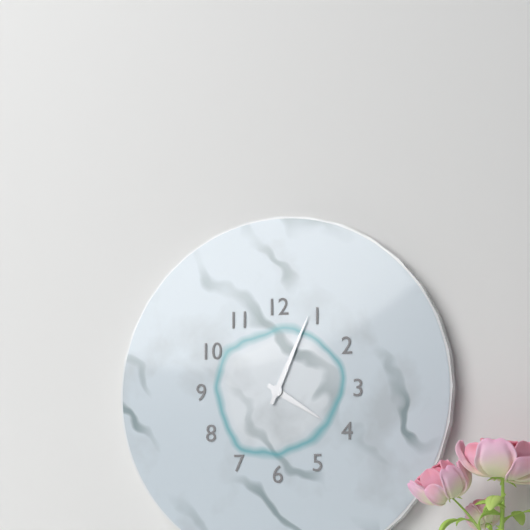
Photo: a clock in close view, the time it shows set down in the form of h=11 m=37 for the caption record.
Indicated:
h=4 m=4
